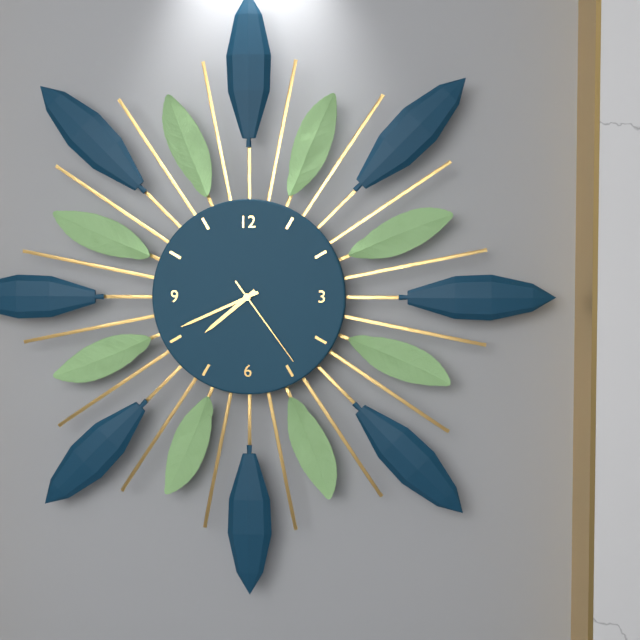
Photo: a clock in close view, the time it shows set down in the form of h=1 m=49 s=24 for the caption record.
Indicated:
h=7 m=41 s=24
